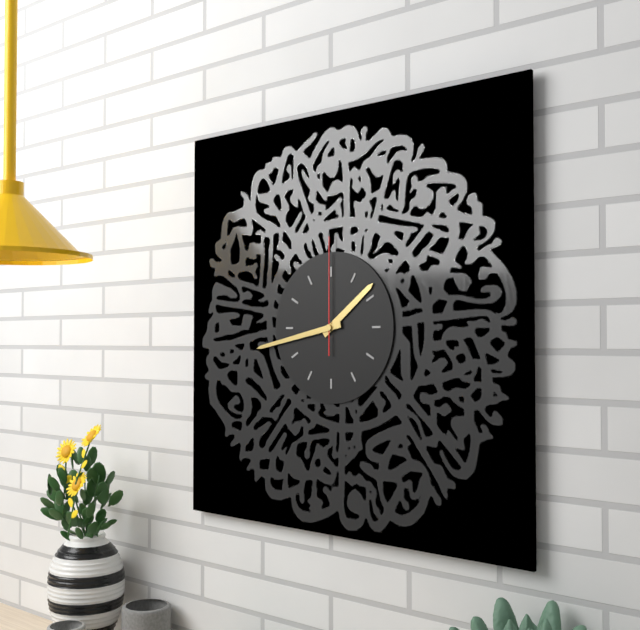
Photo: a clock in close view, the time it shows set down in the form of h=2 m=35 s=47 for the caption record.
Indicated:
h=1 m=43 s=0
